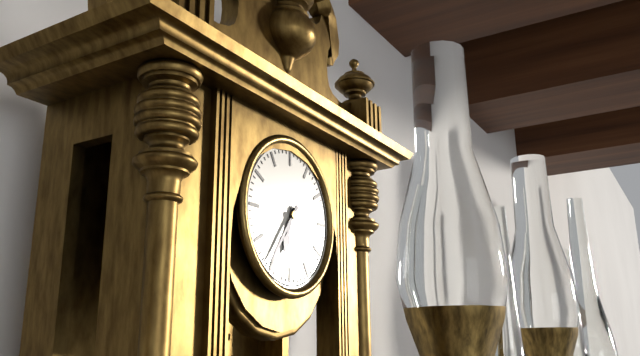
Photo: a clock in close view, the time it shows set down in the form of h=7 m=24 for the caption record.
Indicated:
h=6 m=36
